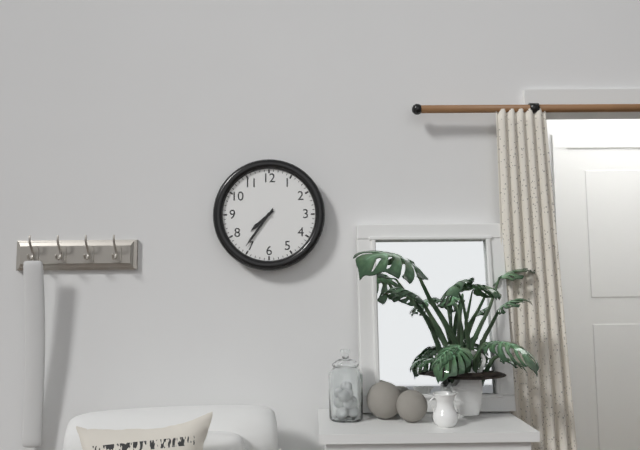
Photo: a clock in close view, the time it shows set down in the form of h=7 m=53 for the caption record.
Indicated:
h=7 m=36
